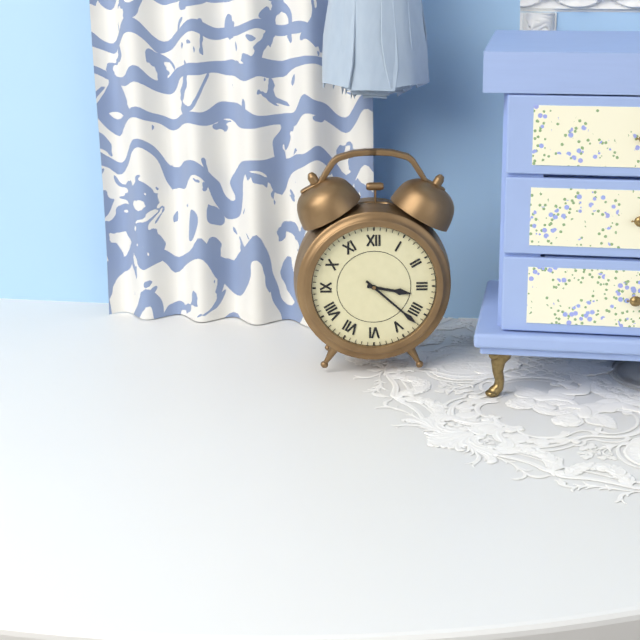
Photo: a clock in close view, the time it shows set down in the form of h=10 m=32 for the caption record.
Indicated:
h=3 m=22
